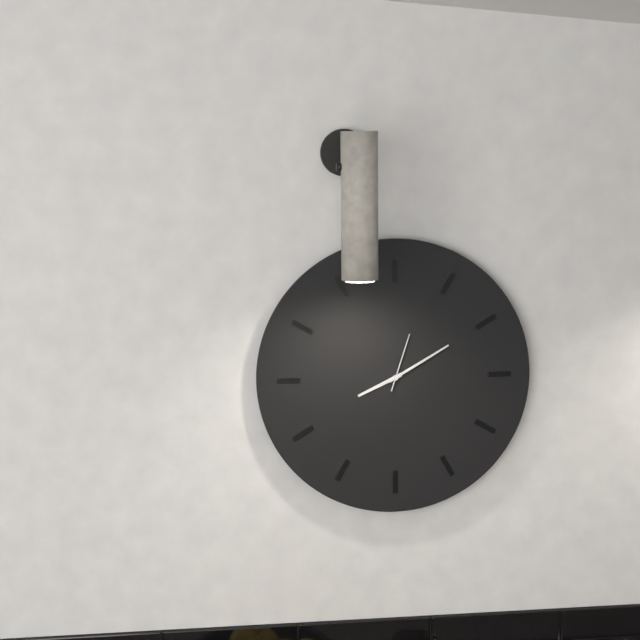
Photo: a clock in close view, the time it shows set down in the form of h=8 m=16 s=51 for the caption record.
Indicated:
h=8 m=10 s=3
